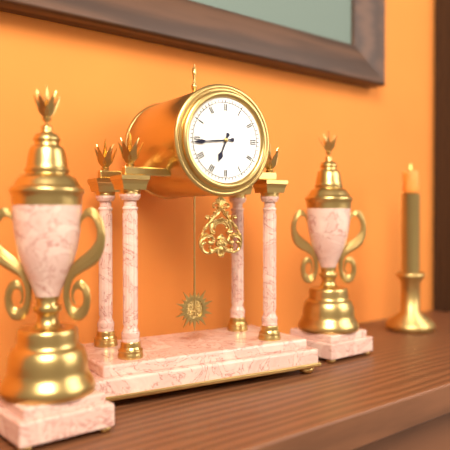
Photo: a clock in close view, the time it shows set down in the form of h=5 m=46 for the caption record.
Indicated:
h=6 m=44
